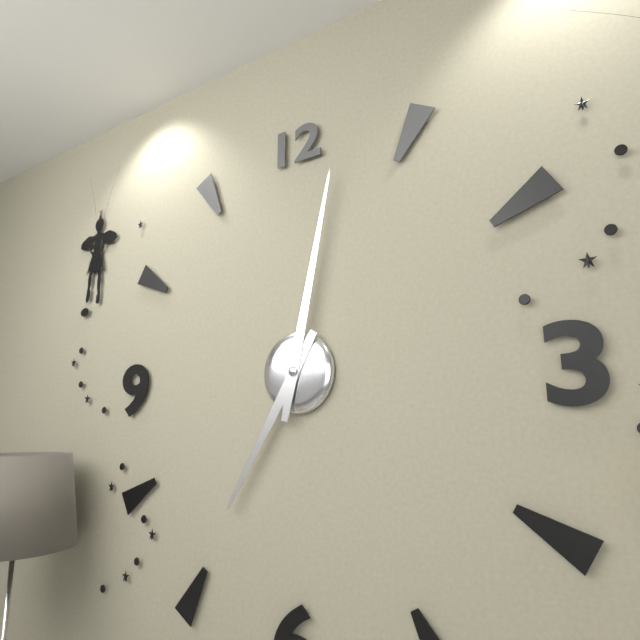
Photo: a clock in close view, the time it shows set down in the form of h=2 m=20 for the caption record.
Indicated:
h=7 m=2
